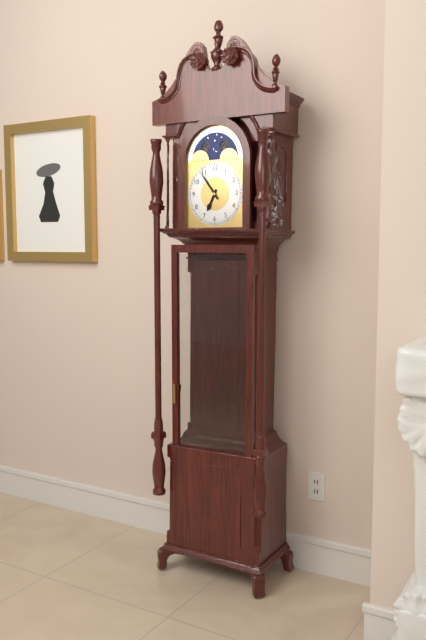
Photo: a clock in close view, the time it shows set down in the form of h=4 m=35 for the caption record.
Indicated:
h=6 m=54
